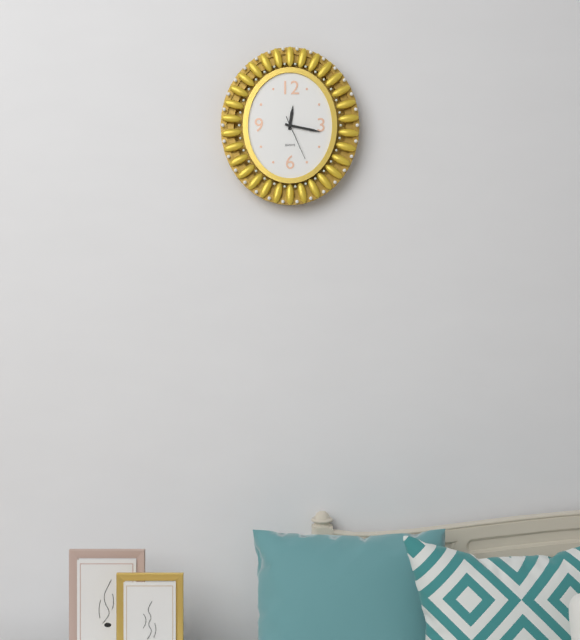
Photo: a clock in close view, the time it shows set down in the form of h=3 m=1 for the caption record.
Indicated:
h=12 m=17
